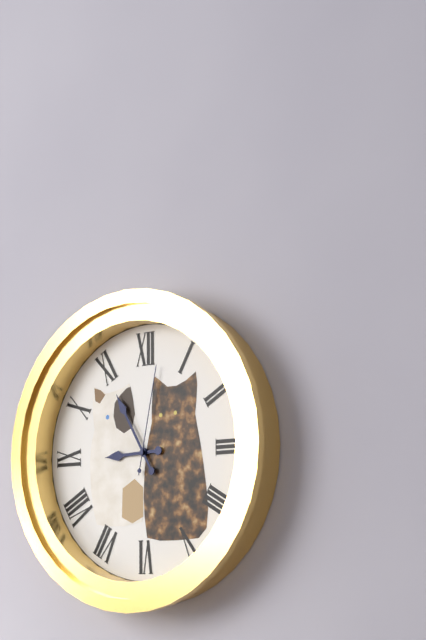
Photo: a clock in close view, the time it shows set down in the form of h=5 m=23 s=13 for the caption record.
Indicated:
h=8 m=55 s=2
